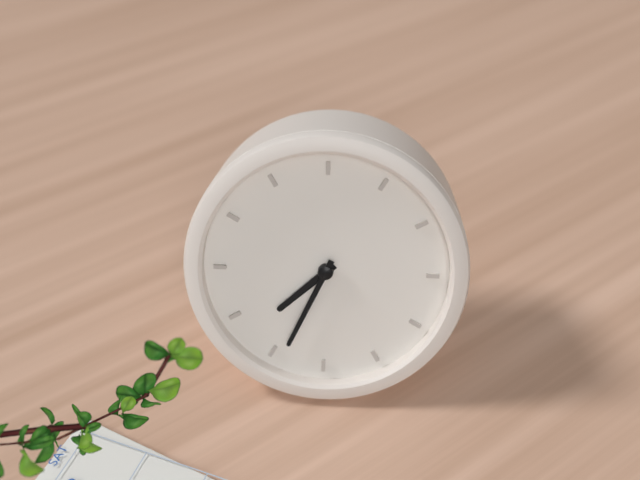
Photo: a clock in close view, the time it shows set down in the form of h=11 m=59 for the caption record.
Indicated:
h=7 m=34
